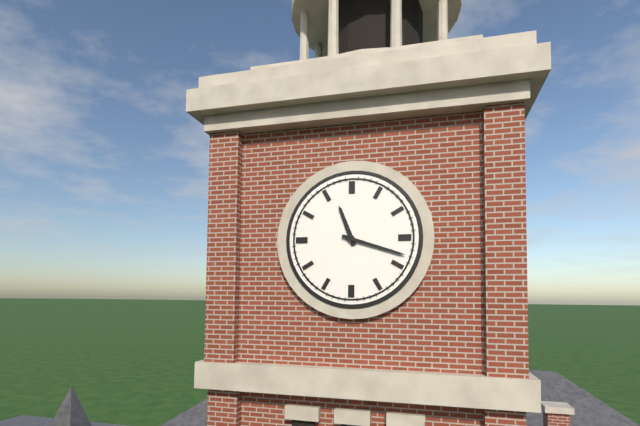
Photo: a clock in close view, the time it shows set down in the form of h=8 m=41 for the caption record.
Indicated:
h=11 m=18
